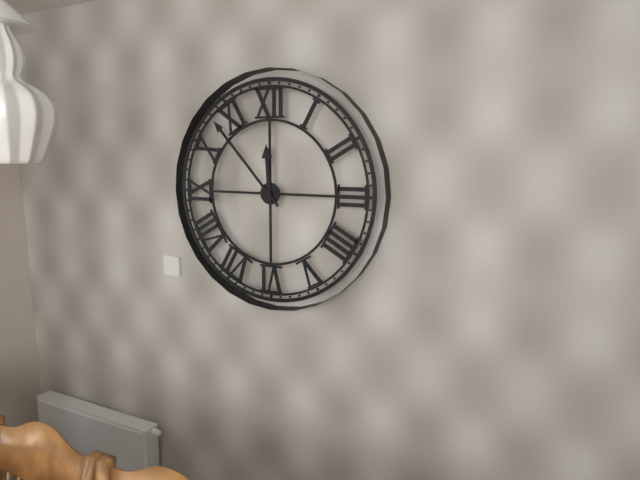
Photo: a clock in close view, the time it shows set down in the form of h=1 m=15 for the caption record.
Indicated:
h=11 m=53
